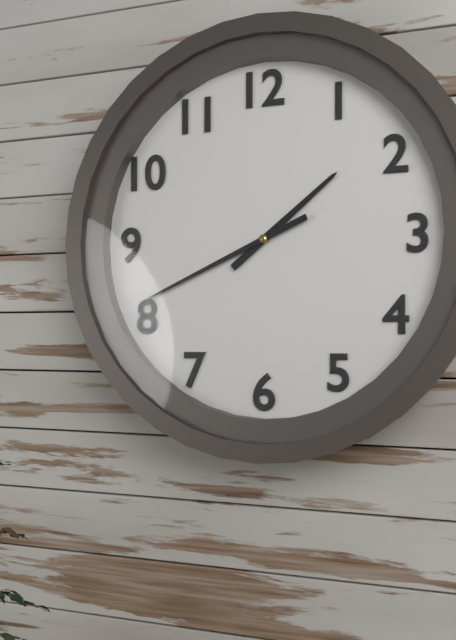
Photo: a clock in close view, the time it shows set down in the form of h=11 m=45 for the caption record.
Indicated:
h=1 m=41
